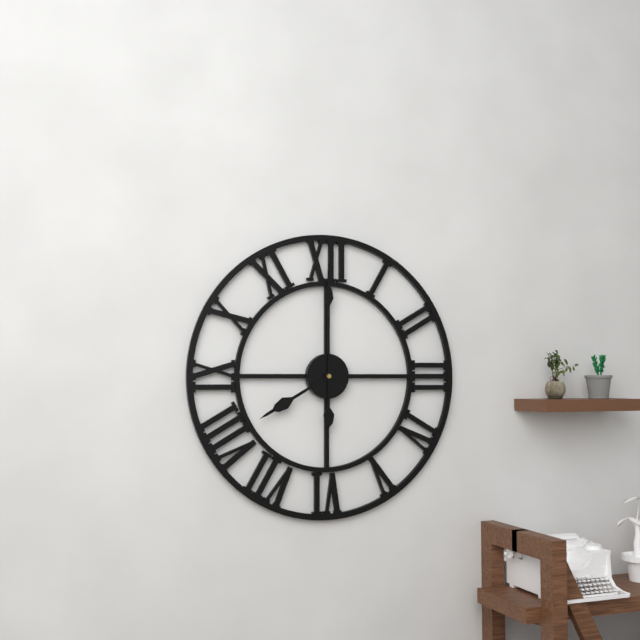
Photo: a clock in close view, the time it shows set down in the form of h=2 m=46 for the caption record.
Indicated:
h=8 m=0
